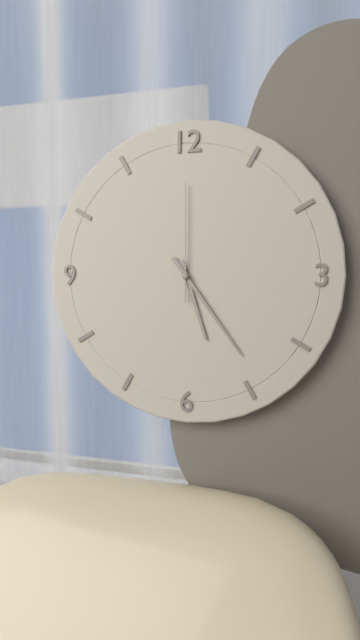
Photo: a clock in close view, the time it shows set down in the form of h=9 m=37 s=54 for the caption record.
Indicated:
h=5 m=24 s=0
